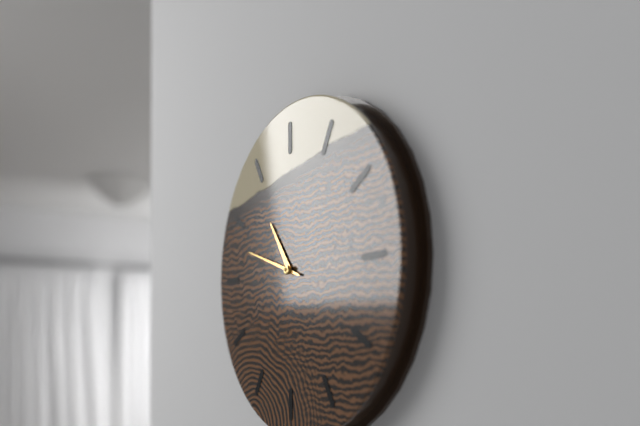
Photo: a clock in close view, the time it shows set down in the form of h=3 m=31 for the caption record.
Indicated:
h=10 m=48
